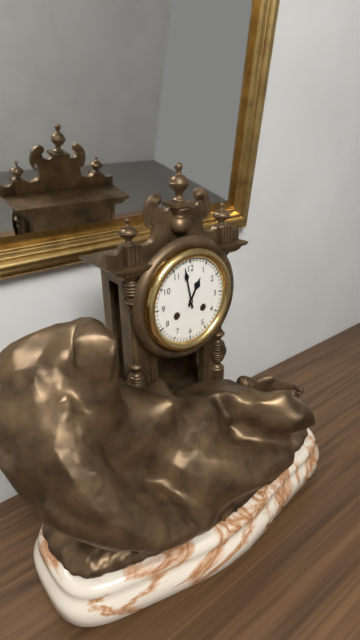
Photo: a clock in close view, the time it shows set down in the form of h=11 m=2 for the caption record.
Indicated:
h=12 m=58
